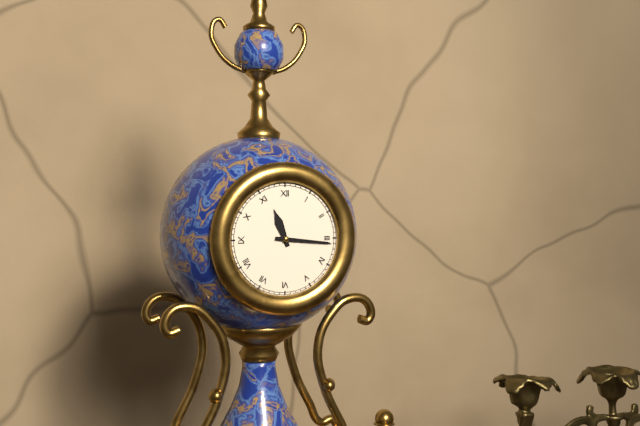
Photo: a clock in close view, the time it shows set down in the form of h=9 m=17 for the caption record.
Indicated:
h=11 m=16
